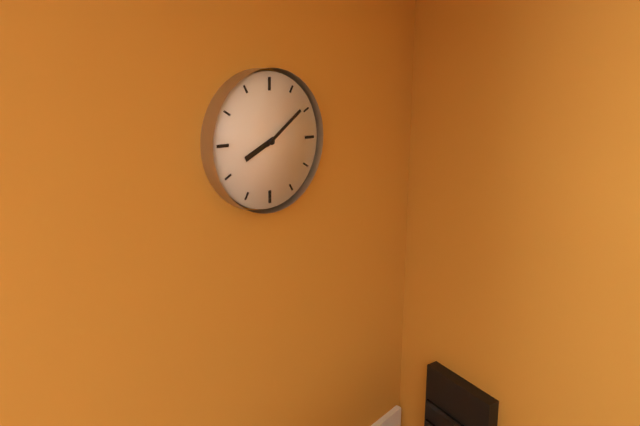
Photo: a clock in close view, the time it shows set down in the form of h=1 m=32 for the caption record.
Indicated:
h=8 m=9
